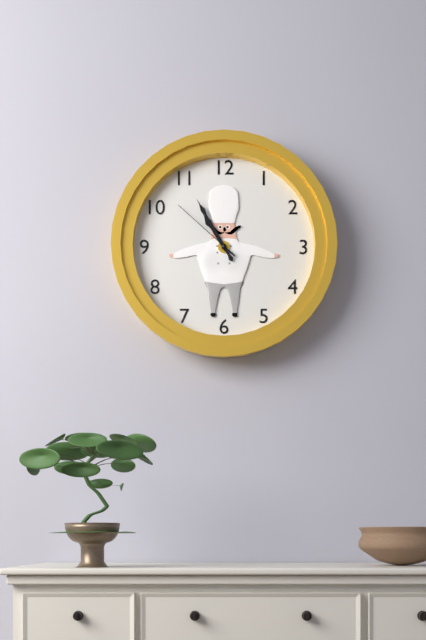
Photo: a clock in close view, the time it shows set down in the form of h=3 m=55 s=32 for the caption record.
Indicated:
h=10 m=55 s=52
